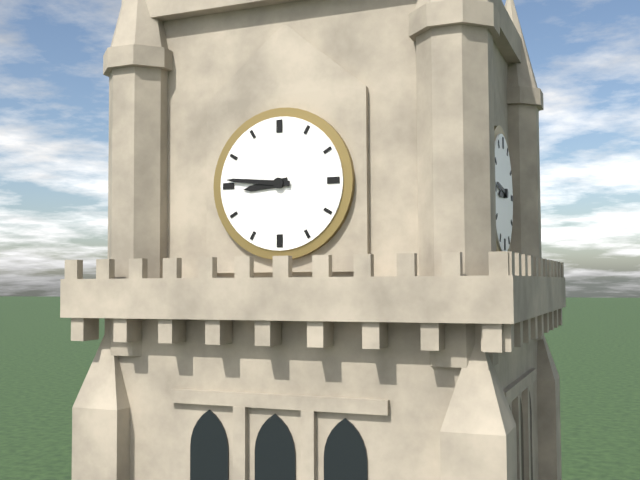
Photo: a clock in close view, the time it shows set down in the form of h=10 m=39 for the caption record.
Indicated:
h=8 m=46
